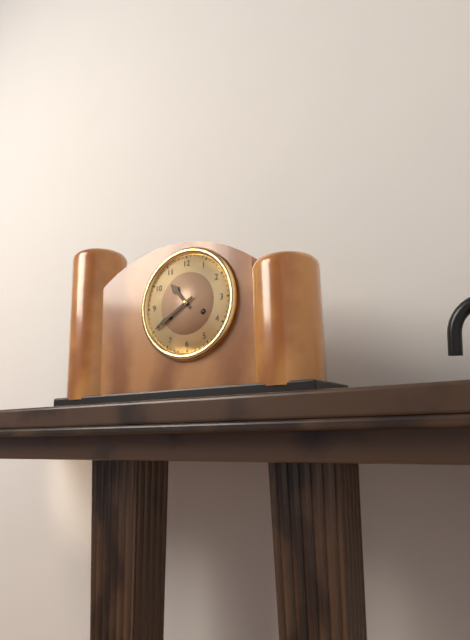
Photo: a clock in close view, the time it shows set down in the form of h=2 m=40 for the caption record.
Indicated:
h=10 m=40
